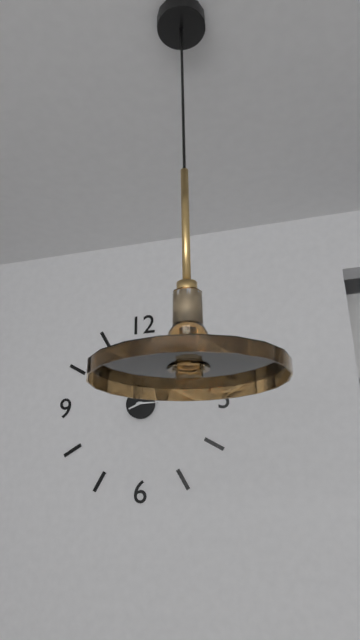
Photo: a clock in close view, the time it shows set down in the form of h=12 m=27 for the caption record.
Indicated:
h=8 m=15
